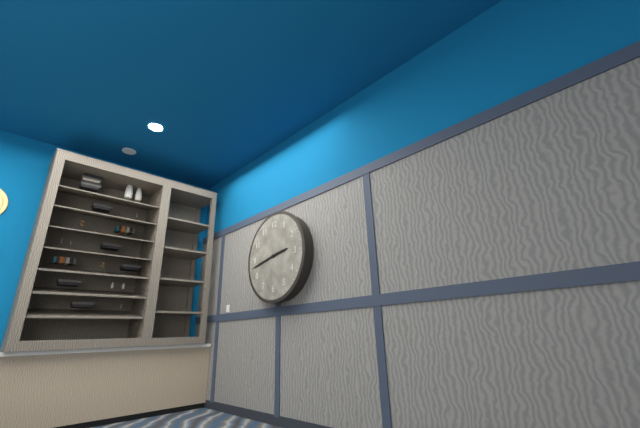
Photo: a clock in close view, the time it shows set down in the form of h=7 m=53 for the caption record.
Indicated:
h=2 m=43
